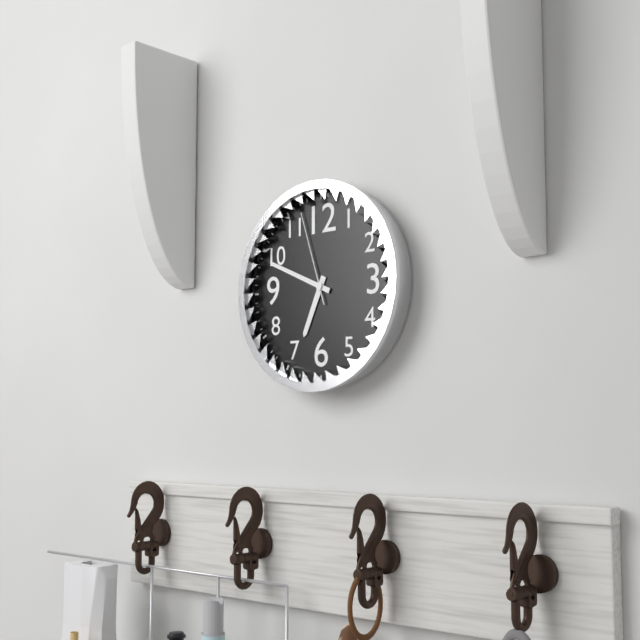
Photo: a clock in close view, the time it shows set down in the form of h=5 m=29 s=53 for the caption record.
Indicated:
h=6 m=49 s=57
